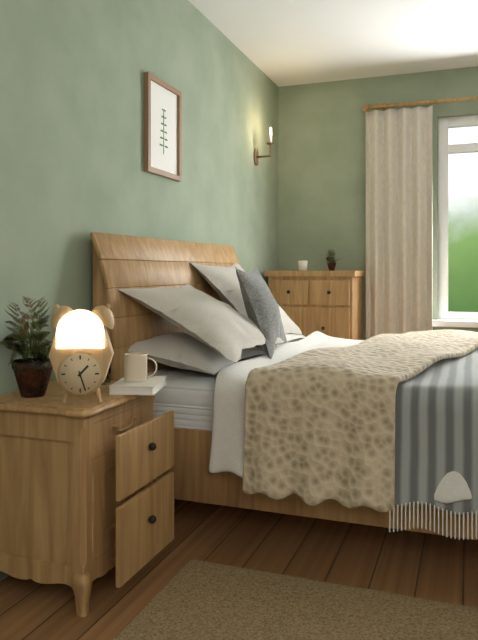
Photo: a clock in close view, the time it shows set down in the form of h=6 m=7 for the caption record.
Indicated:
h=1 m=27
